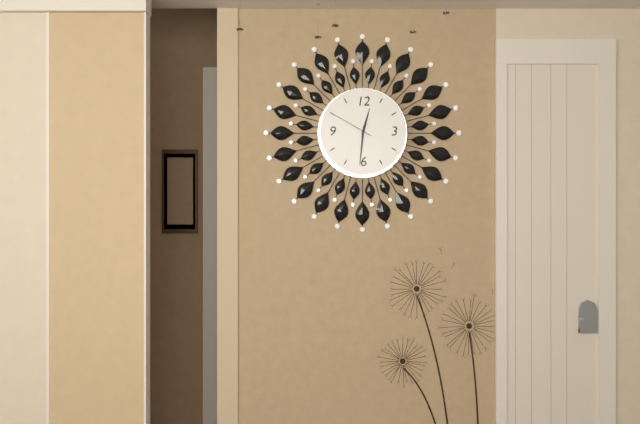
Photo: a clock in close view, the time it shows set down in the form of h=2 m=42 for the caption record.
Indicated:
h=12 m=31
